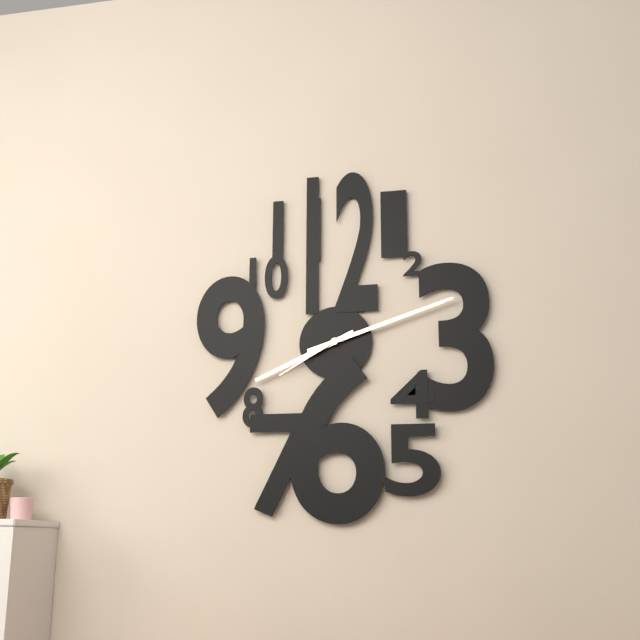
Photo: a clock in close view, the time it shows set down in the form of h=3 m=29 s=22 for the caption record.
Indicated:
h=8 m=12 s=40
